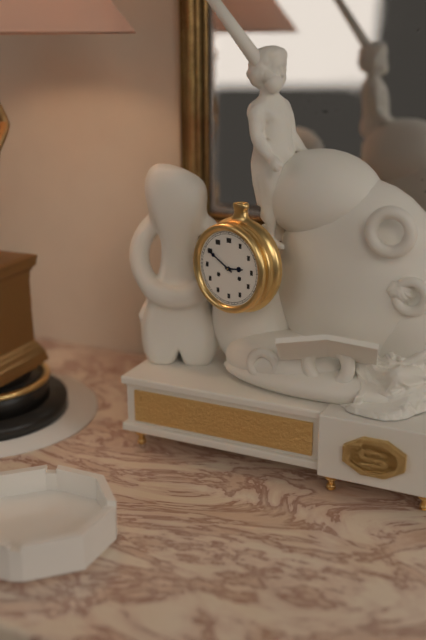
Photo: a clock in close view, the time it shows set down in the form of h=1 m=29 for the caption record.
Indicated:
h=2 m=50
